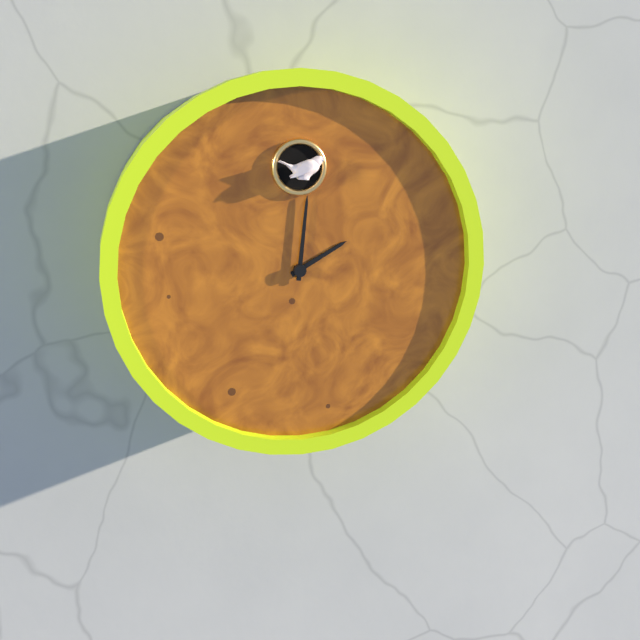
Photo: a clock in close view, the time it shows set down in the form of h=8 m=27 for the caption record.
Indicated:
h=2 m=1
